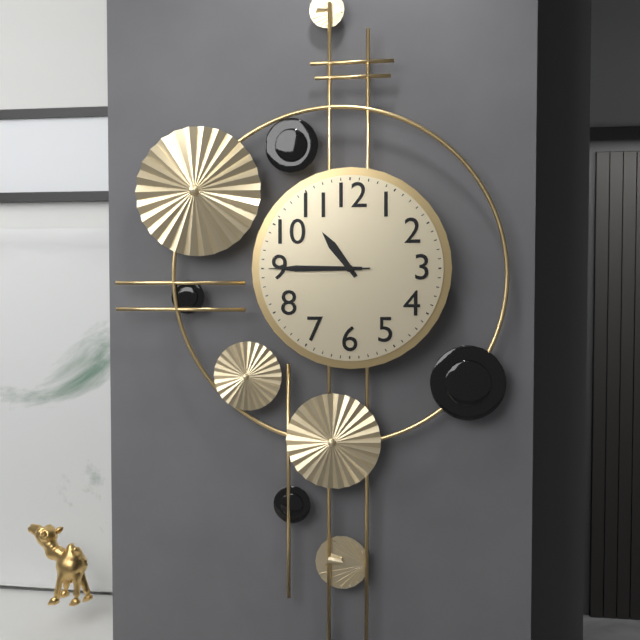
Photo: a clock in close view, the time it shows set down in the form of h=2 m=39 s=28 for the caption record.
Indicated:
h=10 m=45 s=45
